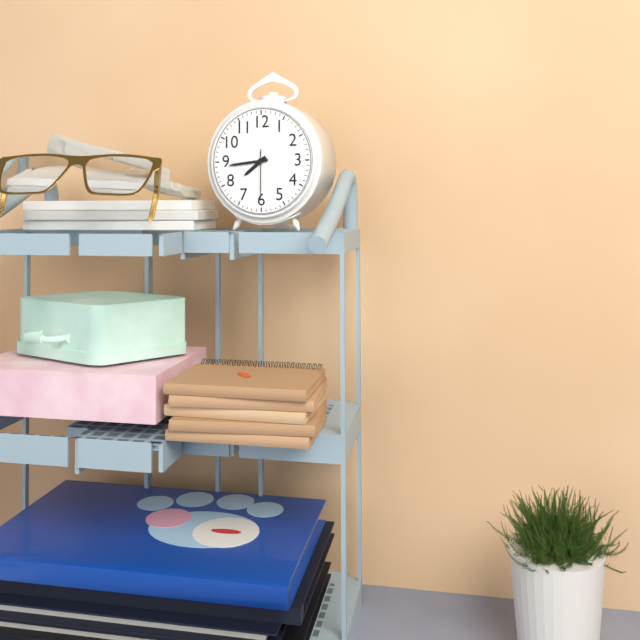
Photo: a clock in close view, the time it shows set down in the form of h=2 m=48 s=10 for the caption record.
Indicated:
h=7 m=44 s=30
